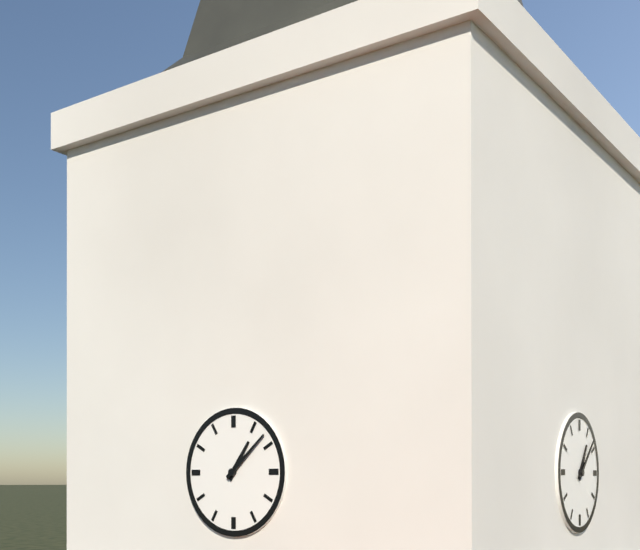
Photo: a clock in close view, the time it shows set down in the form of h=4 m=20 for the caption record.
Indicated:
h=1 m=8
